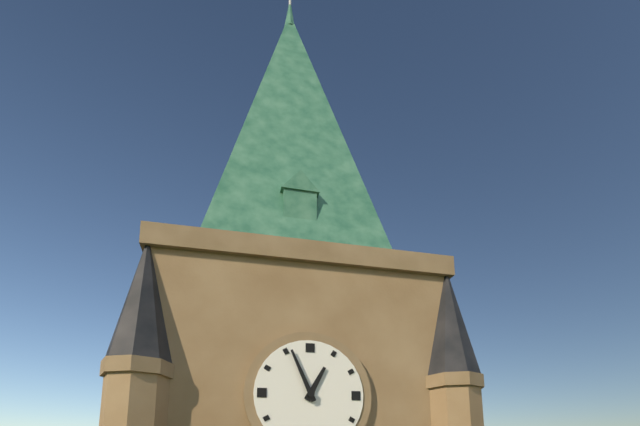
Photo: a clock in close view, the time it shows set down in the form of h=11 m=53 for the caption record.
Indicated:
h=12 m=56
